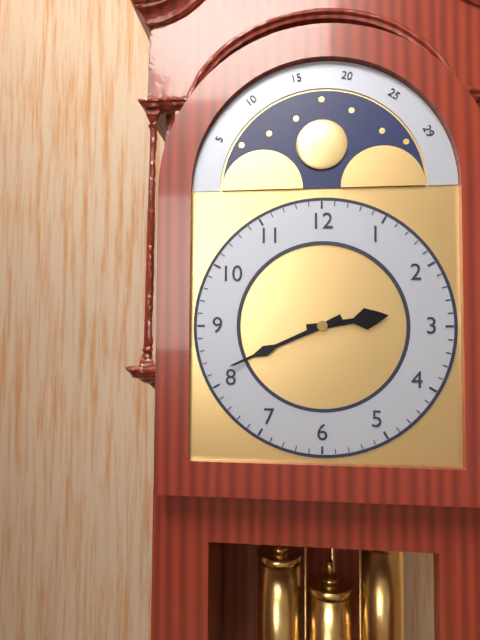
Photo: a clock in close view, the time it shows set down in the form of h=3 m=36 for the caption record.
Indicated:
h=2 m=41
